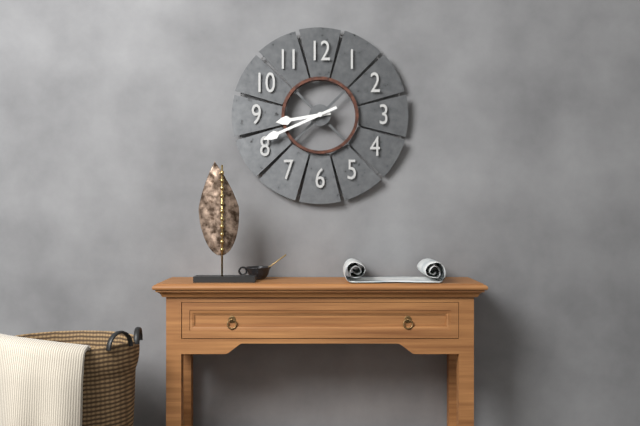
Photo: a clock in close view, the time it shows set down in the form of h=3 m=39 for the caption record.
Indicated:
h=8 m=41
